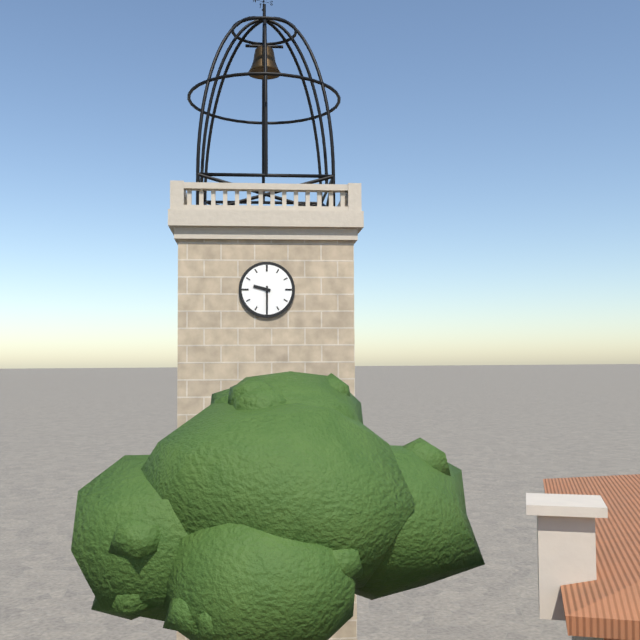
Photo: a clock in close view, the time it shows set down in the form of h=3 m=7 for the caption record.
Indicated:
h=9 m=30
